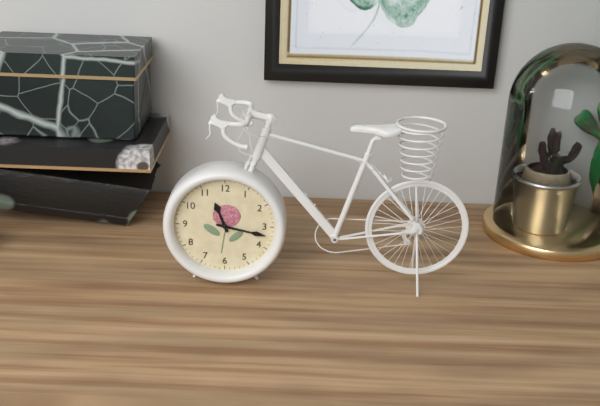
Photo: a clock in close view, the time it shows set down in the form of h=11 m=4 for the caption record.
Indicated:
h=11 m=17
